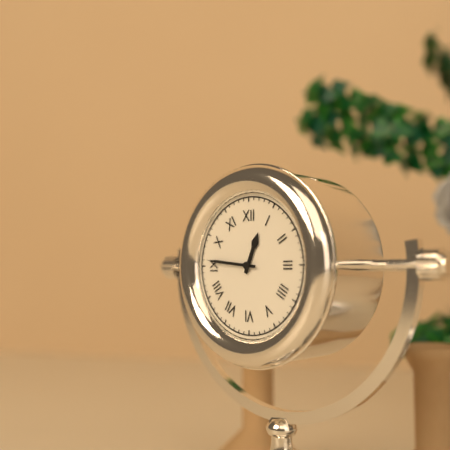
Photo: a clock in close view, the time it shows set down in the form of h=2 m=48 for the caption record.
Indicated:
h=12 m=46
